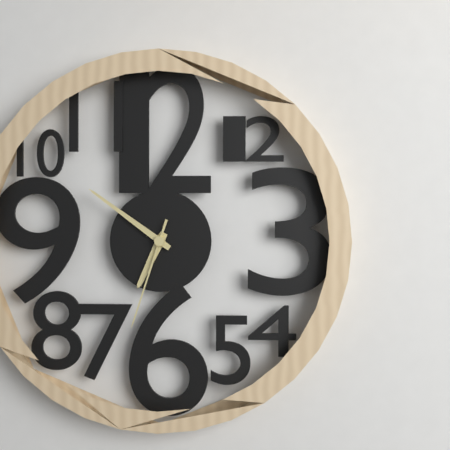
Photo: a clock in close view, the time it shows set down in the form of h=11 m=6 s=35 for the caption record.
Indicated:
h=6 m=51 s=33
